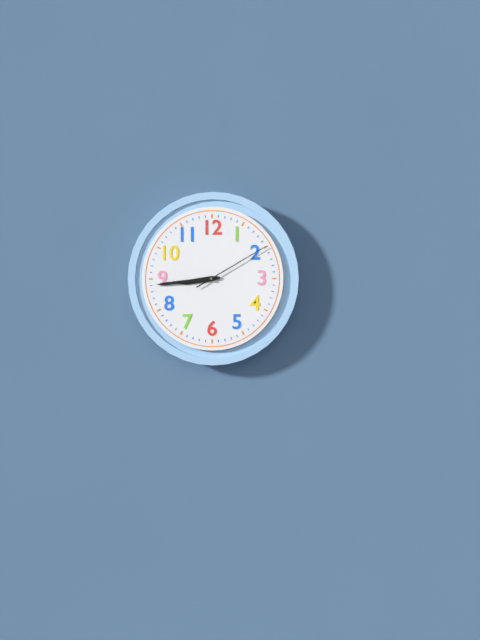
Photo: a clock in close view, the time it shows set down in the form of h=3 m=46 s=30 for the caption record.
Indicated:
h=8 m=44 s=10
